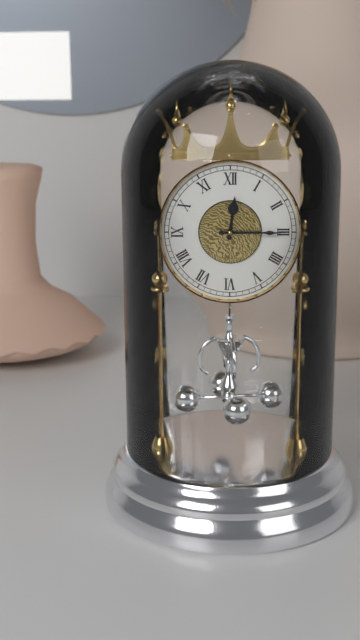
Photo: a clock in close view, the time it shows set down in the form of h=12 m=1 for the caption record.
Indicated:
h=12 m=15
